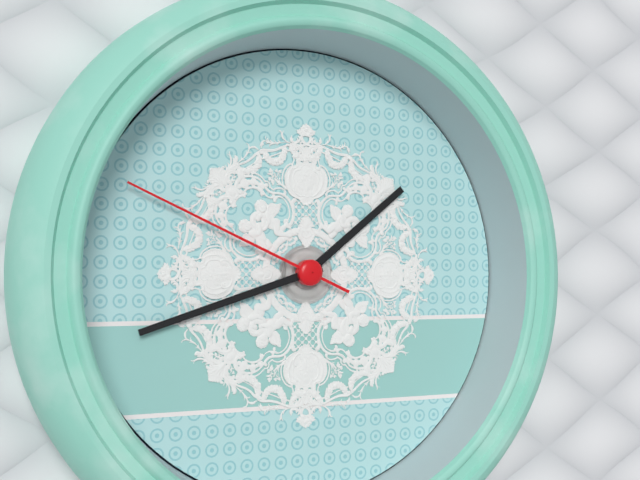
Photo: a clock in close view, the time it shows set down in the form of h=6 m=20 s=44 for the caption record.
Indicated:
h=1 m=42 s=49
